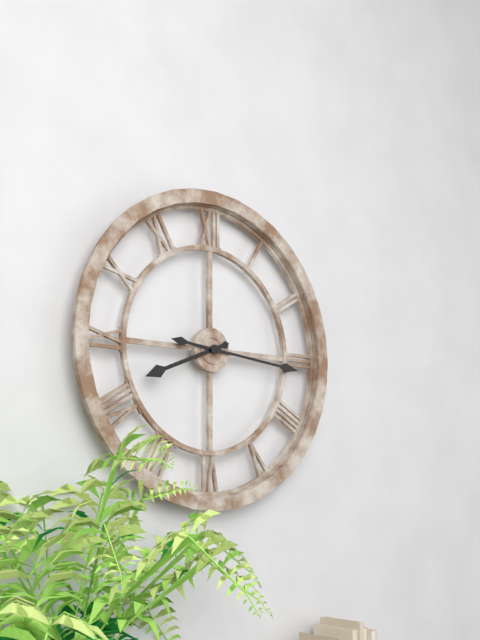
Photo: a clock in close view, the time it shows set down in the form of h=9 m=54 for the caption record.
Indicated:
h=8 m=16
